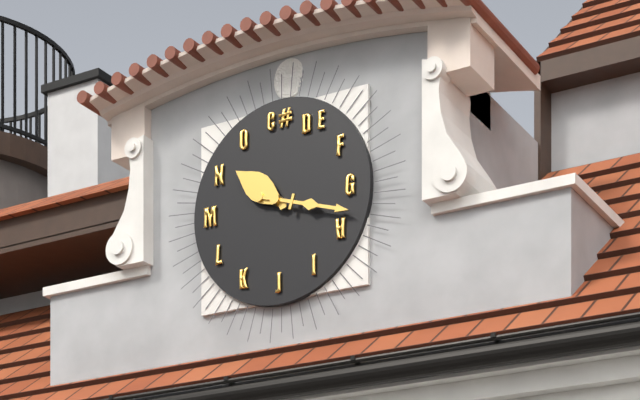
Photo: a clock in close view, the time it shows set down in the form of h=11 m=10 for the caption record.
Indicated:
h=10 m=18
